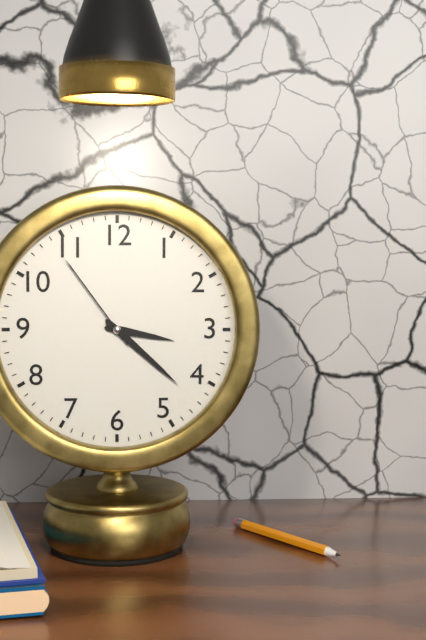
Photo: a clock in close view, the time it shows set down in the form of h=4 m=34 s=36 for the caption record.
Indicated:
h=3 m=22 s=54
